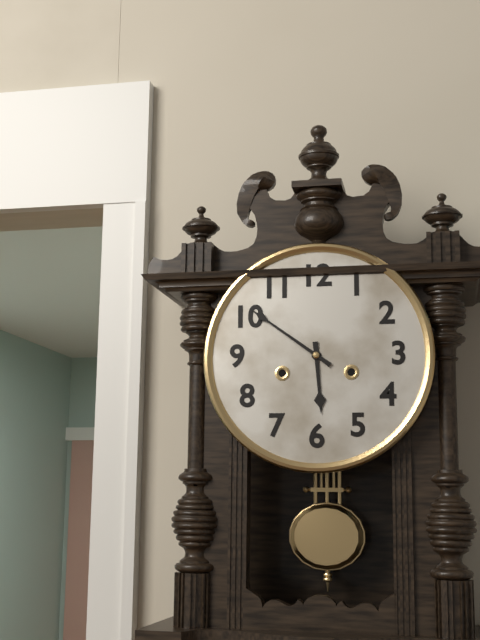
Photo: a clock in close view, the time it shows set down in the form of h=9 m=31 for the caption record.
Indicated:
h=5 m=51
